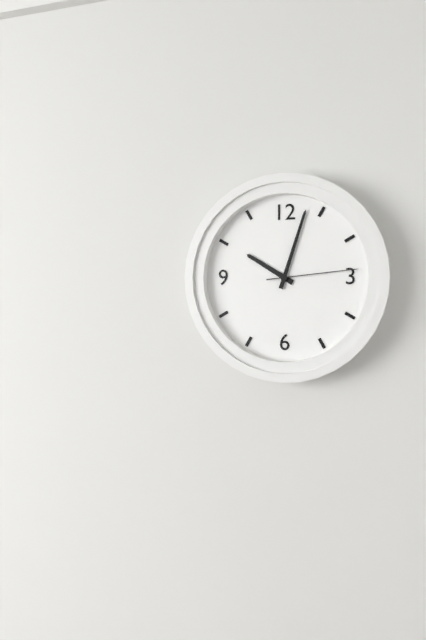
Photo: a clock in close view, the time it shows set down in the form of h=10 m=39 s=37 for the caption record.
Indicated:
h=10 m=3 s=14
